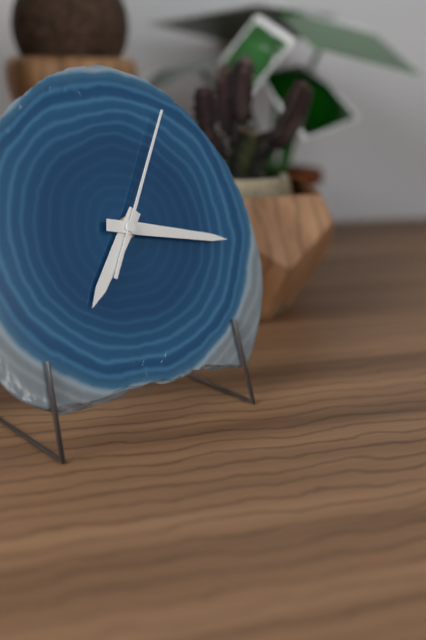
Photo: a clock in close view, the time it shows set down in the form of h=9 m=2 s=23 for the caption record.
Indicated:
h=7 m=17 s=5
